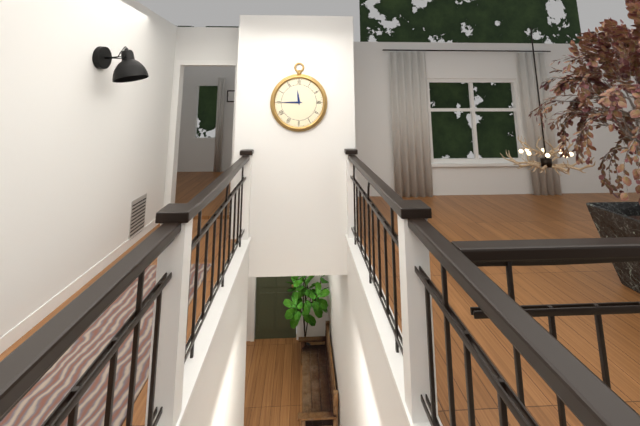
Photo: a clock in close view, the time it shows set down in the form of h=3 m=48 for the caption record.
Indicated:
h=11 m=45
